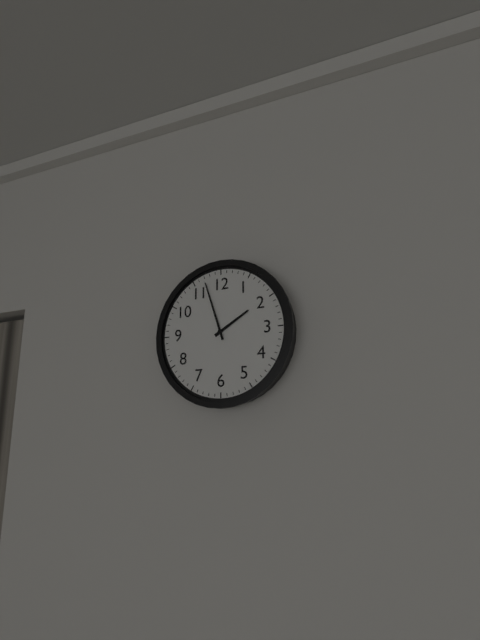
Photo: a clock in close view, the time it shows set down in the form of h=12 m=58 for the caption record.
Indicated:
h=1 m=57
